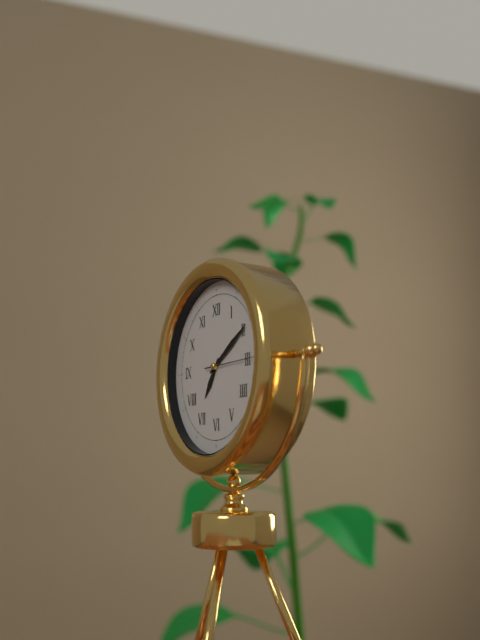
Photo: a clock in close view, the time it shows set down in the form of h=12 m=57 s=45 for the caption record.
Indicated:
h=7 m=10 s=15
